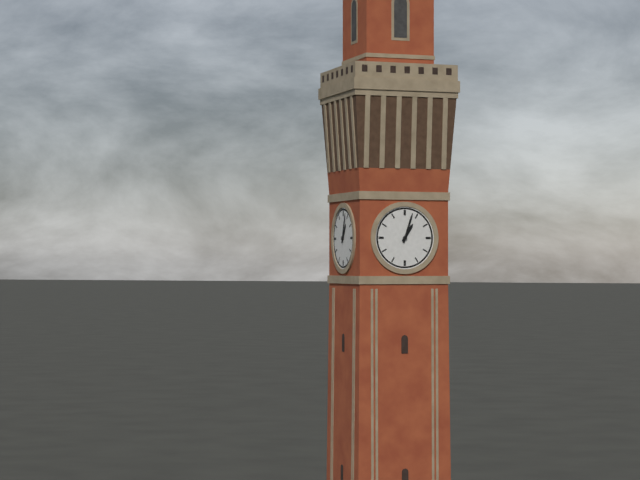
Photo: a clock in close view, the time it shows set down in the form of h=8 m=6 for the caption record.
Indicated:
h=1 m=3
